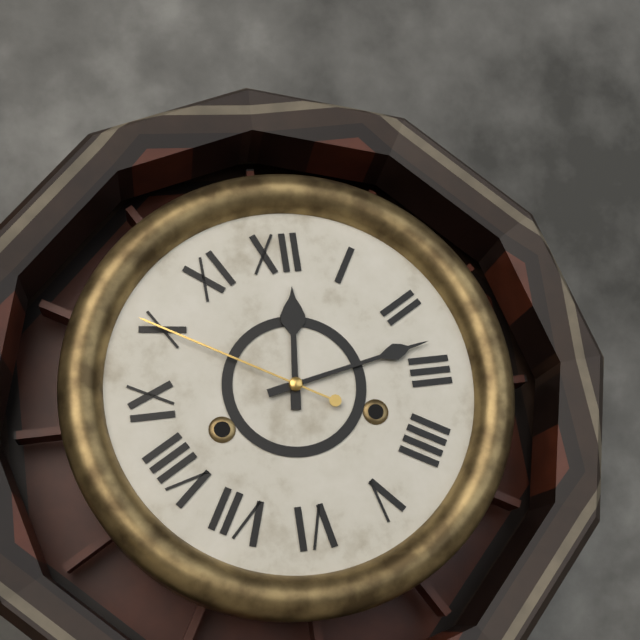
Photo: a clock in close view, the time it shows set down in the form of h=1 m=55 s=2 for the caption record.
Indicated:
h=12 m=13 s=50
